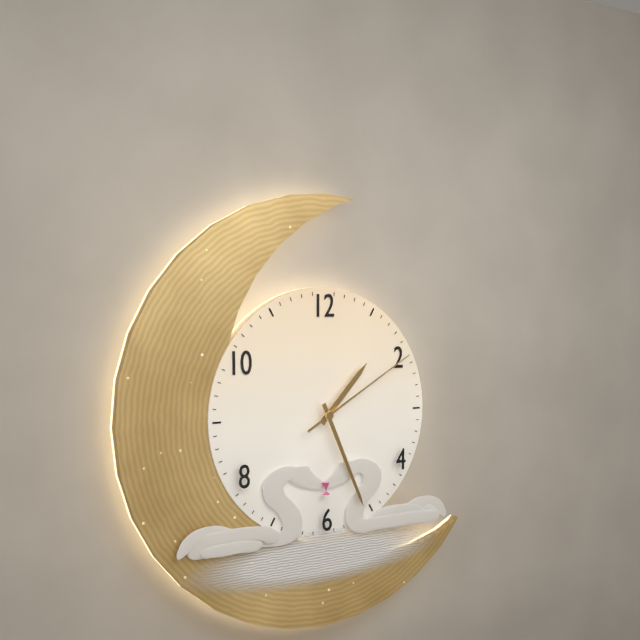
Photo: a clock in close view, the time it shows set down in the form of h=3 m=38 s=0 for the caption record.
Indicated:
h=1 m=26 s=10
